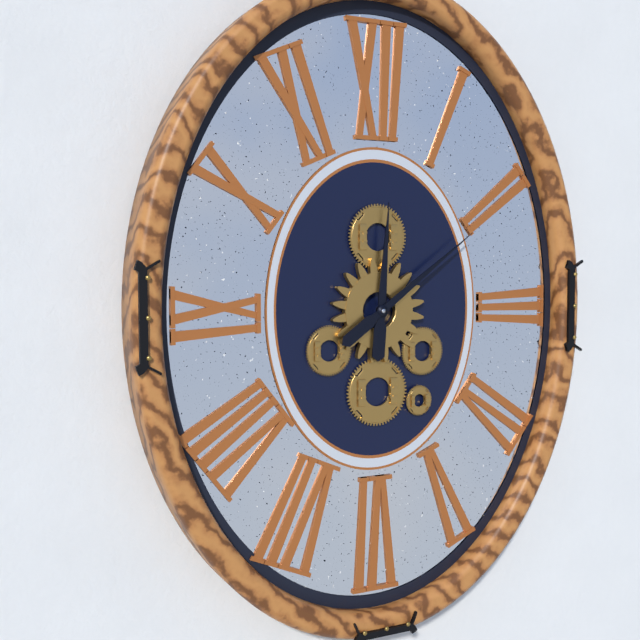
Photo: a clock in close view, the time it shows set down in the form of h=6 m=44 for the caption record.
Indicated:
h=12 m=9
